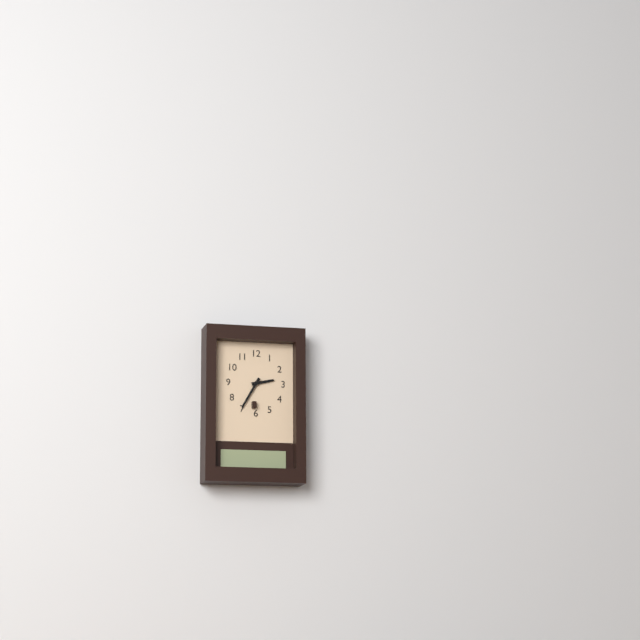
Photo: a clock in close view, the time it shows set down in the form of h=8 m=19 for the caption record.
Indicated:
h=2 m=35
